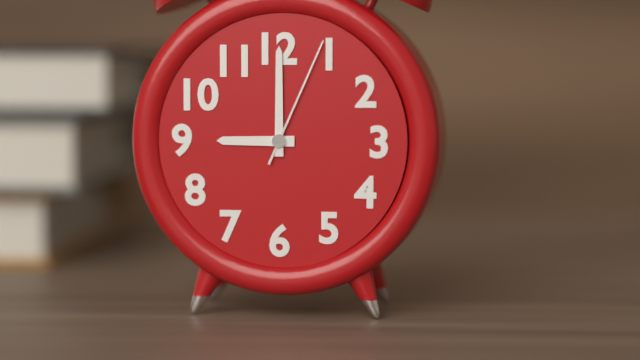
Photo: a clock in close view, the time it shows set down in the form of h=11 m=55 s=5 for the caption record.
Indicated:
h=9 m=0 s=4
